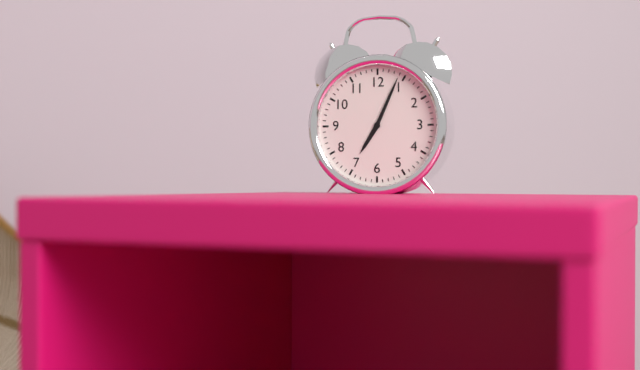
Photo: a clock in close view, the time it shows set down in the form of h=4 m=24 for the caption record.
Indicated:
h=7 m=4
